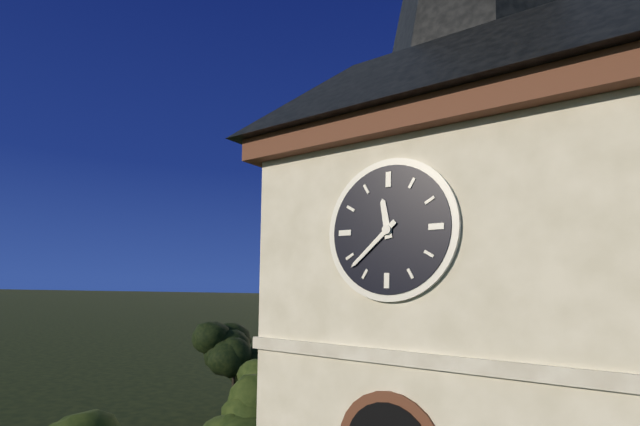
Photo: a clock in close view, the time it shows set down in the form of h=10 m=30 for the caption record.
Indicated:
h=11 m=38
